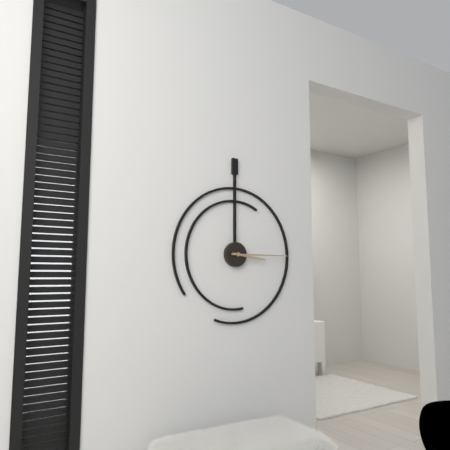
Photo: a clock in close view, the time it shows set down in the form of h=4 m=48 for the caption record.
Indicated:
h=3 m=15
